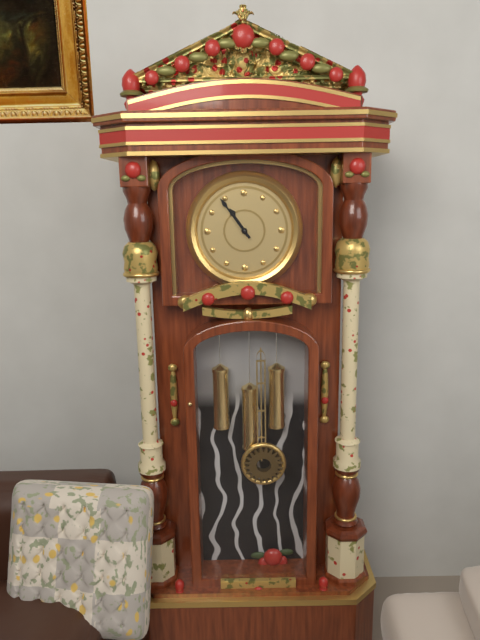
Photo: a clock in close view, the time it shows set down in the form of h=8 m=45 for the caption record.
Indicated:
h=10 m=54
